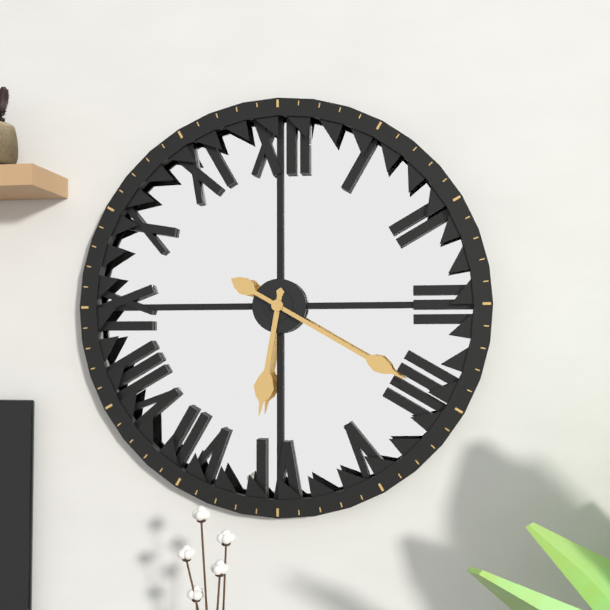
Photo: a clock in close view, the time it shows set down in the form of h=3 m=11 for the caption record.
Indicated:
h=6 m=20
